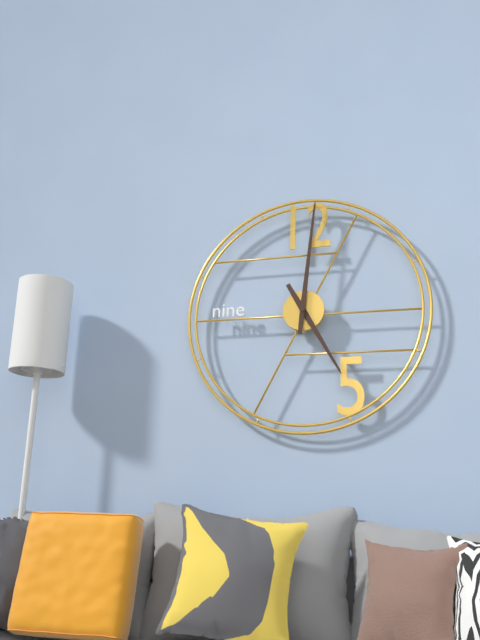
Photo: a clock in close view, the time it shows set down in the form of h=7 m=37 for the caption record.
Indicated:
h=5 m=1
